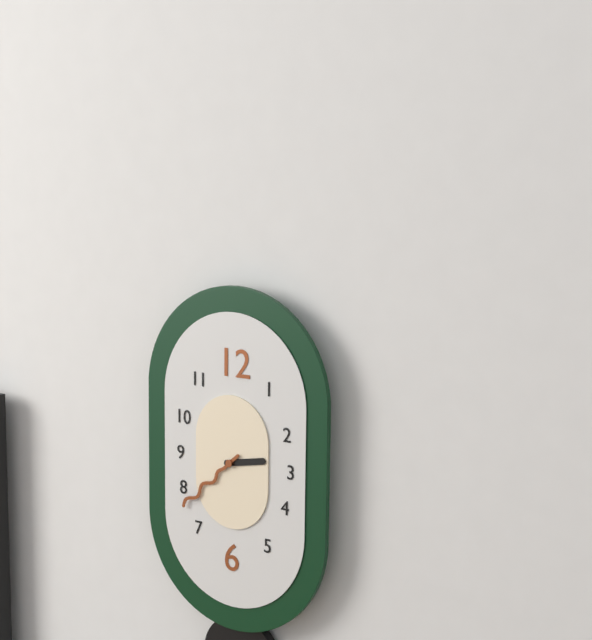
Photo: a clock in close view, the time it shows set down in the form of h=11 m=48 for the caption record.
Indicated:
h=2 m=38
